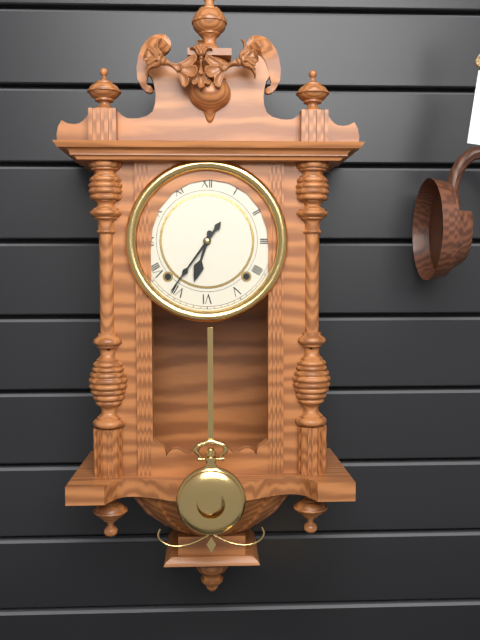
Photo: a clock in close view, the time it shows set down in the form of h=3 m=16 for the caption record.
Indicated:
h=6 m=36
